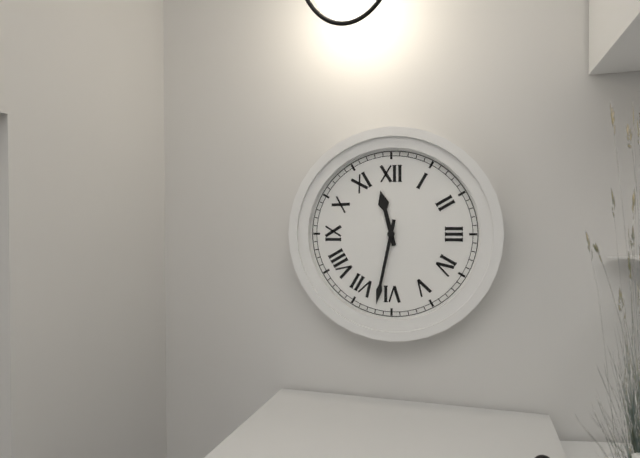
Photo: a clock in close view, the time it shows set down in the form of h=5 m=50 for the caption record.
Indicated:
h=11 m=32
